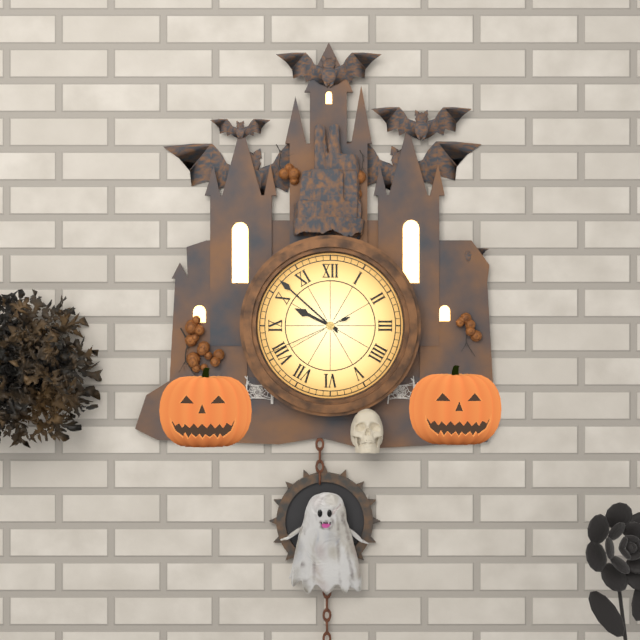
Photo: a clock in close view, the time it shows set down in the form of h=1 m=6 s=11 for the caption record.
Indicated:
h=9 m=52 s=41
